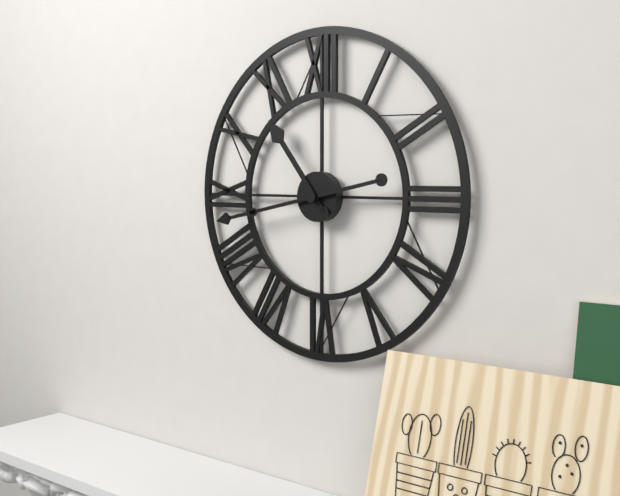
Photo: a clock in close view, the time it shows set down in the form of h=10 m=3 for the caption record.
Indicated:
h=10 m=43
